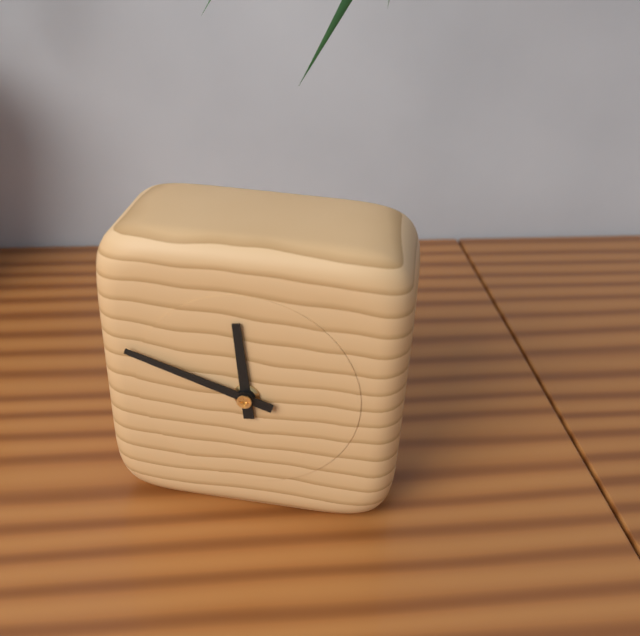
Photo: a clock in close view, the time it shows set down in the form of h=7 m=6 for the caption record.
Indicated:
h=11 m=48
